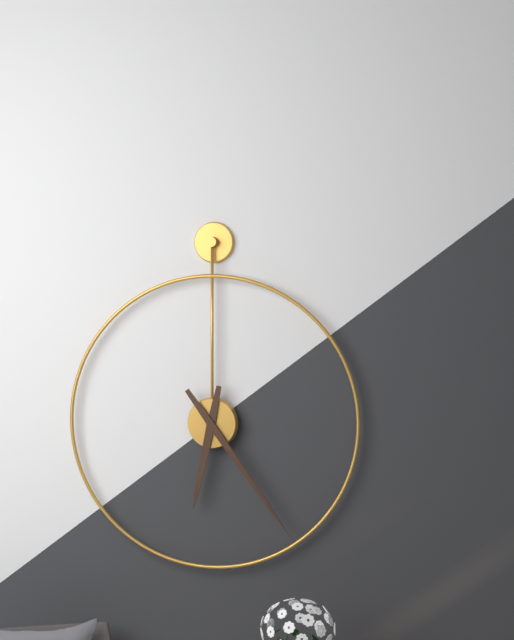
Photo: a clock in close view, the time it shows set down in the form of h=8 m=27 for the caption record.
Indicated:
h=6 m=24
